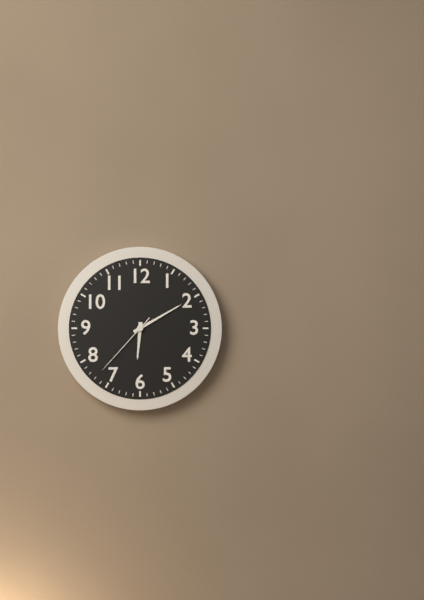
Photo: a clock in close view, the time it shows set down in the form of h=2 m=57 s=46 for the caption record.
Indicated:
h=6 m=10 s=37
